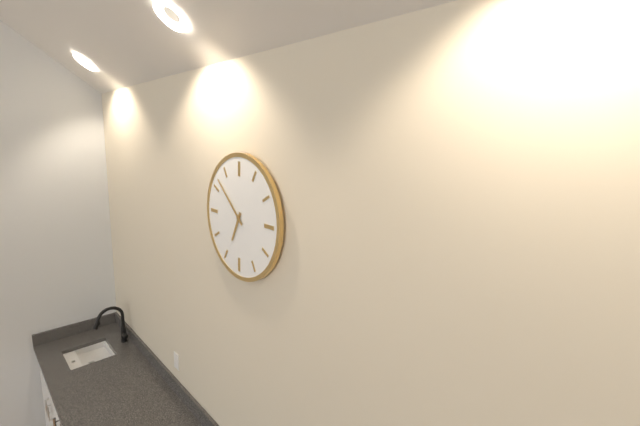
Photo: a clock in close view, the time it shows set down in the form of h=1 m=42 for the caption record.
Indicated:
h=6 m=52
